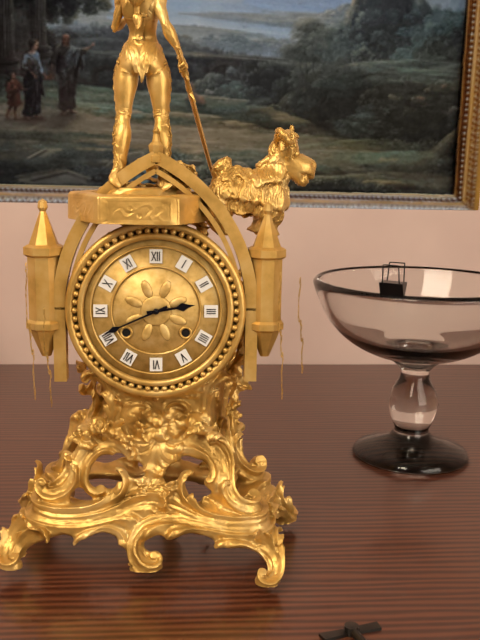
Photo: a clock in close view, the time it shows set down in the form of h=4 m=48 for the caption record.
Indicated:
h=2 m=41
